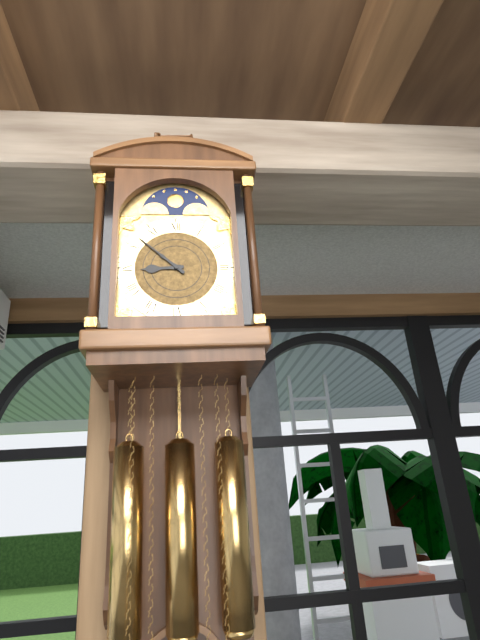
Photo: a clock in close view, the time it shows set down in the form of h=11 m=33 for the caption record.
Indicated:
h=8 m=52
